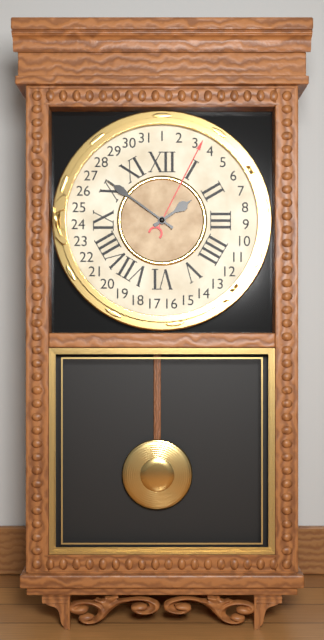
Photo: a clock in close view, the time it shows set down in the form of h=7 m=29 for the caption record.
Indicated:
h=1 m=51
